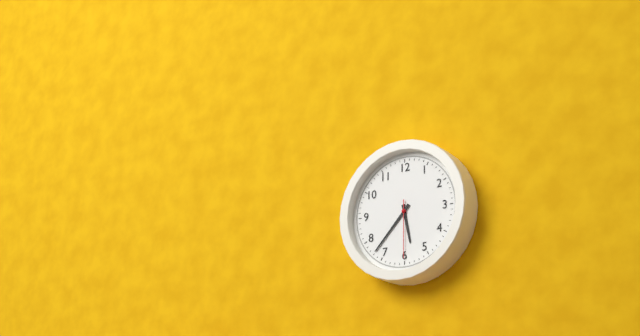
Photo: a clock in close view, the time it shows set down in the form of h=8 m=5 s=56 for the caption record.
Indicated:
h=5 m=37 s=30
